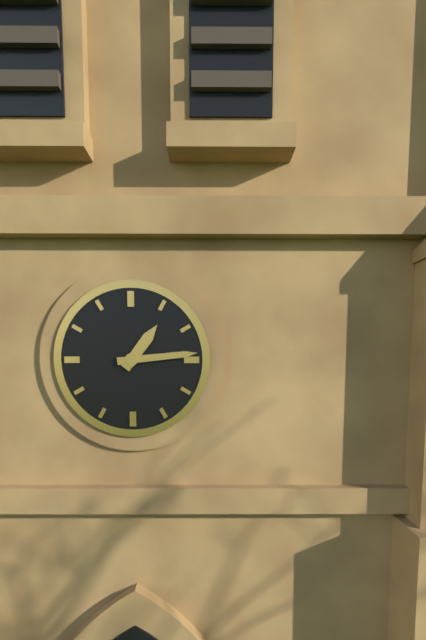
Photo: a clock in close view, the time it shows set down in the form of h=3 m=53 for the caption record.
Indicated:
h=1 m=14
